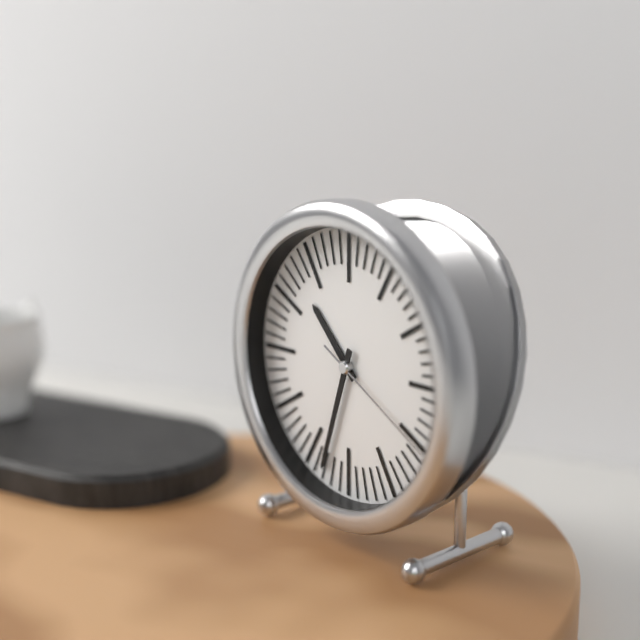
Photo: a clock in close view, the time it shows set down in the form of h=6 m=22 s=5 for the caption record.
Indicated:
h=10 m=33 s=20
